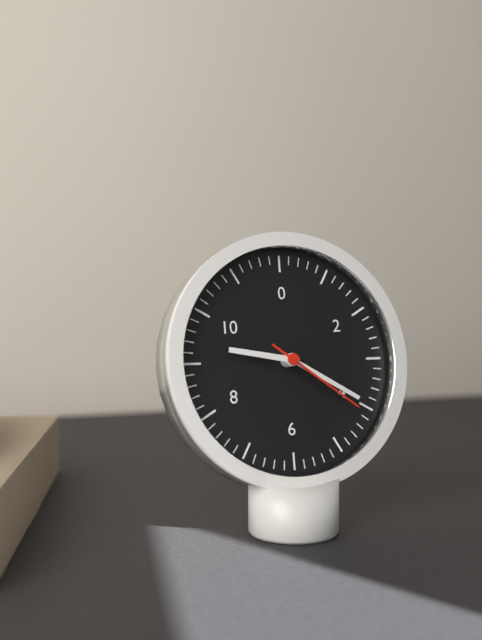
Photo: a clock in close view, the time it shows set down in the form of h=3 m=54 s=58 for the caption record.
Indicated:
h=9 m=20 s=21
